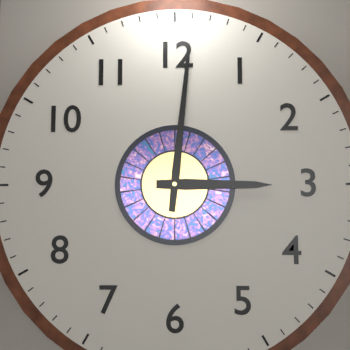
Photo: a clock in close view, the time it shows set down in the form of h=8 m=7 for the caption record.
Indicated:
h=3 m=1
